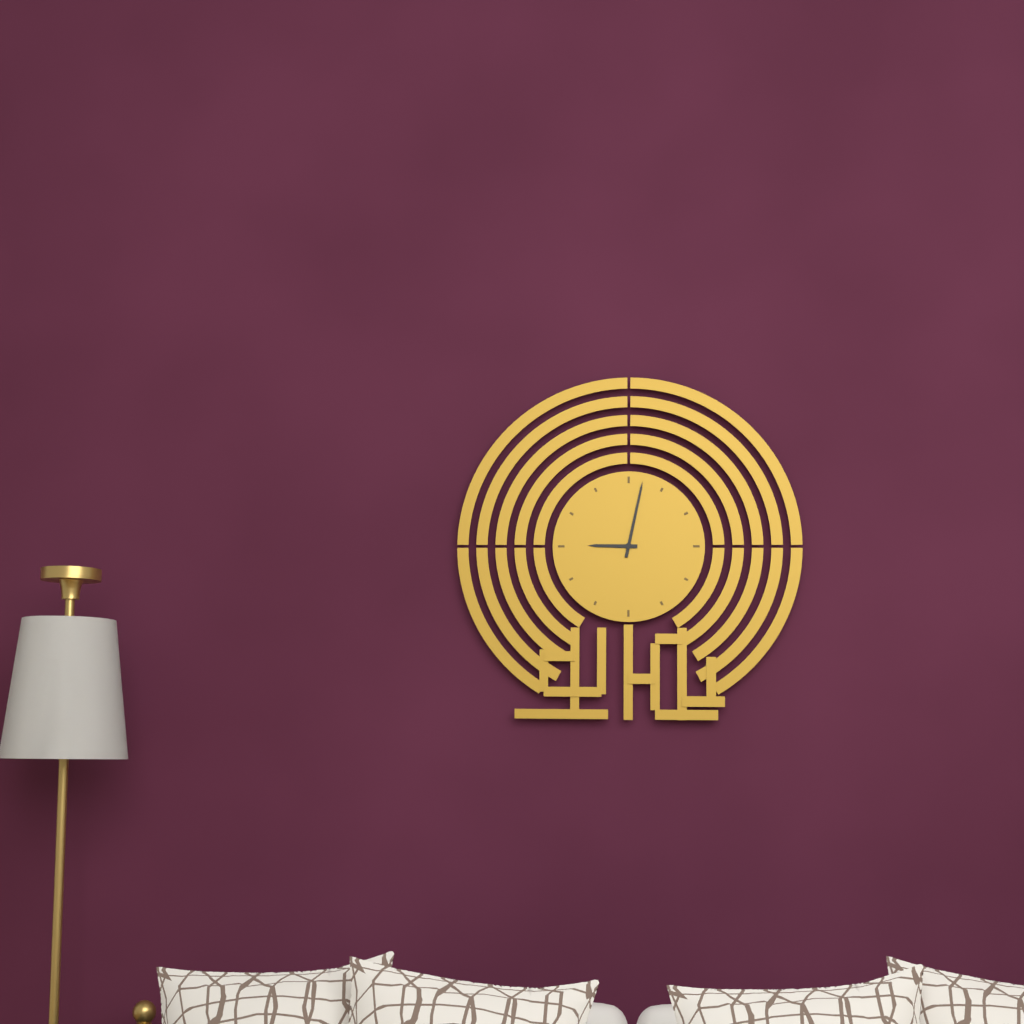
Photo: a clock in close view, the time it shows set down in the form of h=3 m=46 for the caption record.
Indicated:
h=9 m=2
